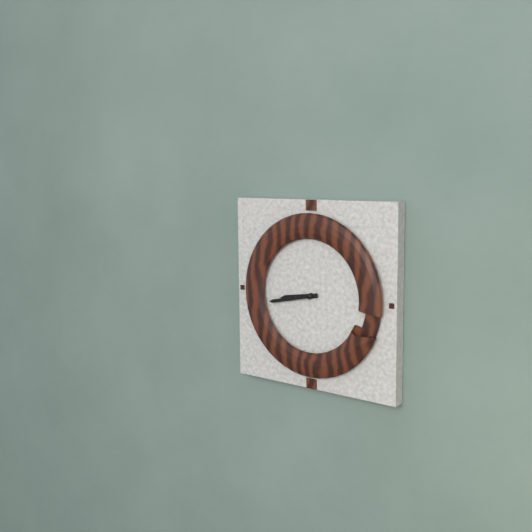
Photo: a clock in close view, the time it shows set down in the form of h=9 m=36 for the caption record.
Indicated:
h=8 m=43
